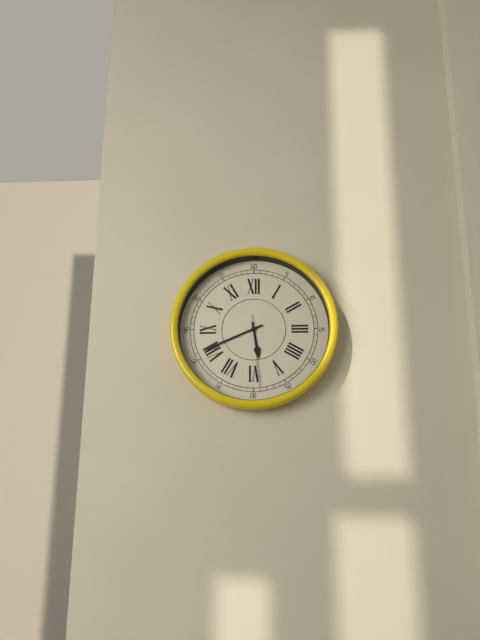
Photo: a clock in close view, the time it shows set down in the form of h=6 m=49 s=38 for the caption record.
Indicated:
h=5 m=41 s=29
